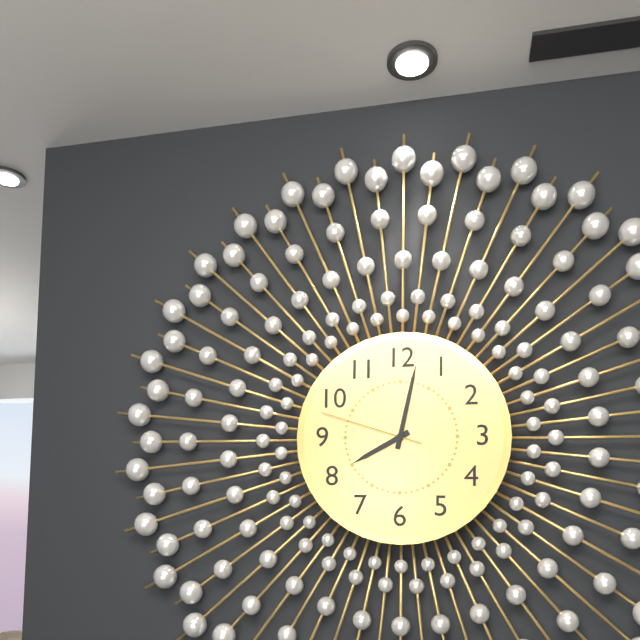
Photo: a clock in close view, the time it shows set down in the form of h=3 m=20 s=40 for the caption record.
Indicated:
h=8 m=2 s=48
